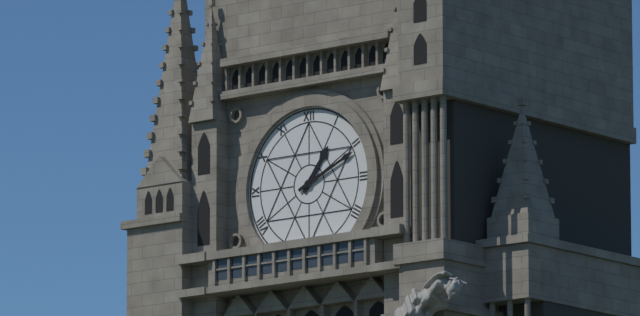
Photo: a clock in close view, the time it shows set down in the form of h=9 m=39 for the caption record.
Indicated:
h=1 m=11
